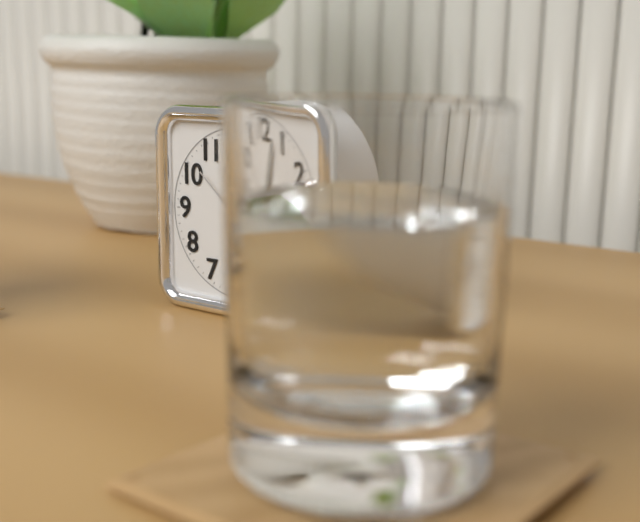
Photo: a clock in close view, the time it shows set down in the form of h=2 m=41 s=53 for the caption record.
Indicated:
h=6 m=3 s=52
